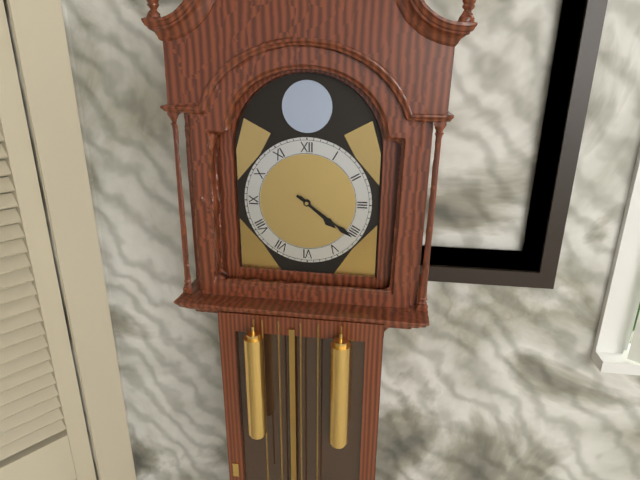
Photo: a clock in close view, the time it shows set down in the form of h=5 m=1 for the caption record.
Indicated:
h=4 m=21
